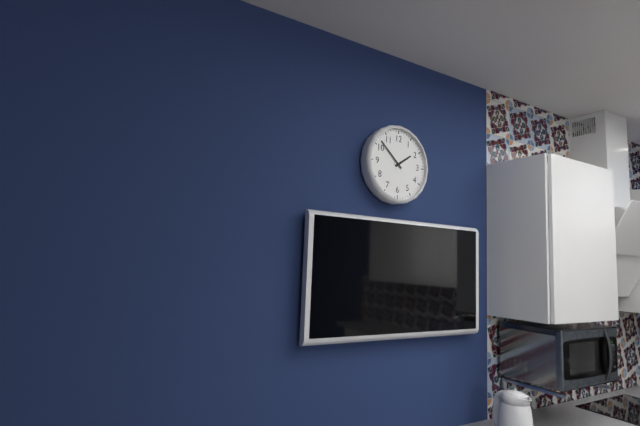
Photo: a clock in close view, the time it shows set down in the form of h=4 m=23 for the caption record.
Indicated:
h=1 m=52
